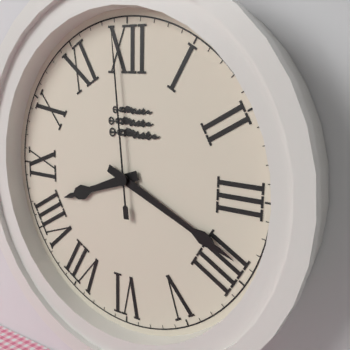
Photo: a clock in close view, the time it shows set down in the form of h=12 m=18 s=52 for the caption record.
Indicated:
h=8 m=19 s=59
